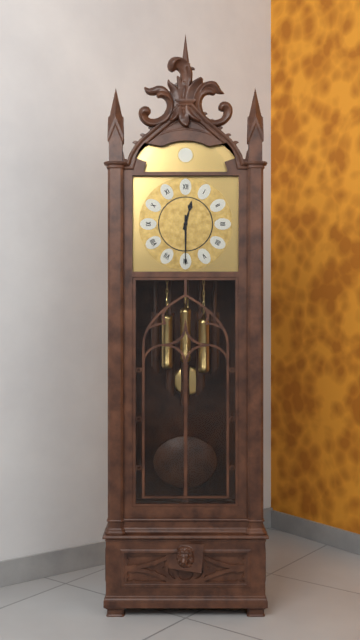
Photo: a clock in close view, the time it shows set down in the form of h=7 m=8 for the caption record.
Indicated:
h=12 m=30
